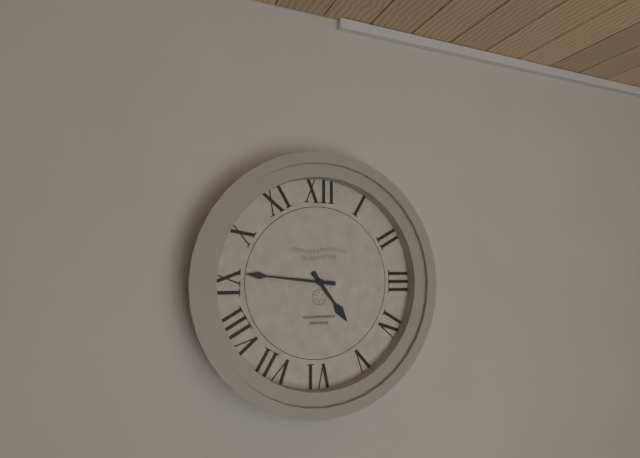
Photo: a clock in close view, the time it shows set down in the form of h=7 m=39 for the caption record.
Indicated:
h=4 m=46
